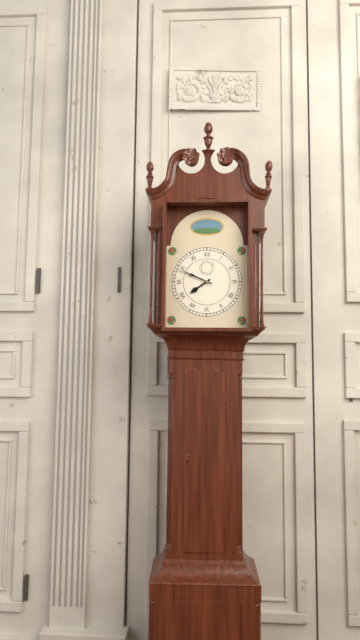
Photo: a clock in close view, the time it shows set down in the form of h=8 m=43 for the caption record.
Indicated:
h=7 m=49
